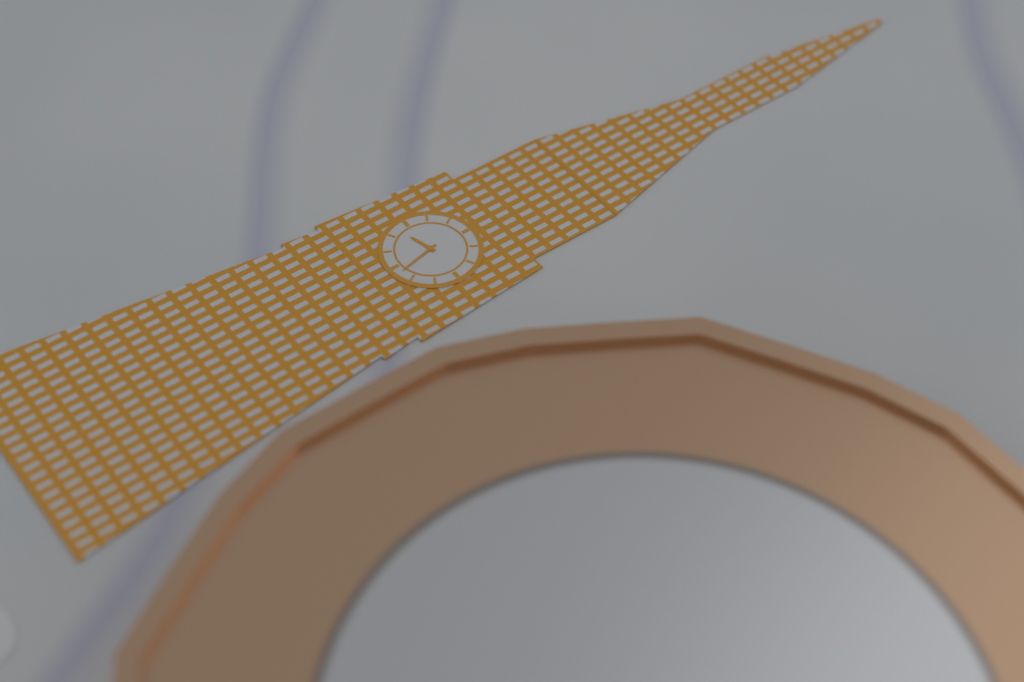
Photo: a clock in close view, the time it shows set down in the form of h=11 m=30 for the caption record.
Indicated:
h=8 m=28
